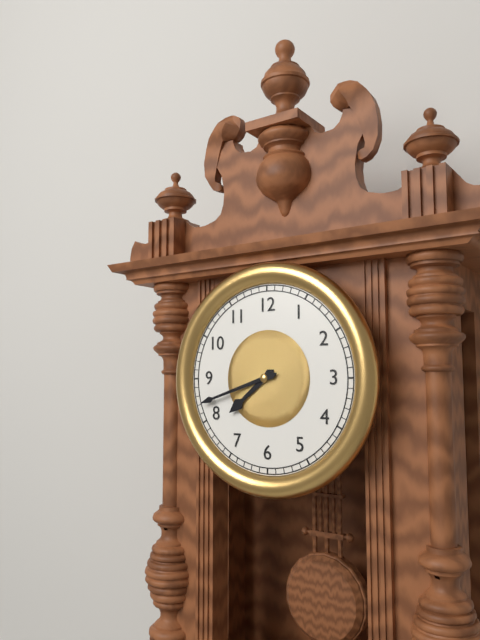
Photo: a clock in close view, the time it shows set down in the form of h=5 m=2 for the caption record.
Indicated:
h=7 m=42
